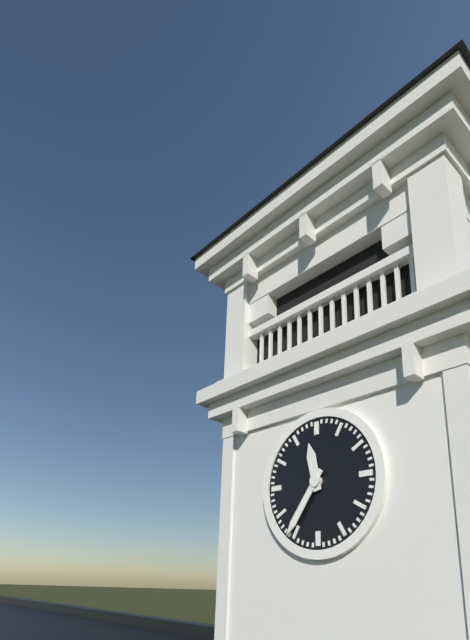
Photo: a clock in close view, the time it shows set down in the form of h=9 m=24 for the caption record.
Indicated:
h=11 m=36
